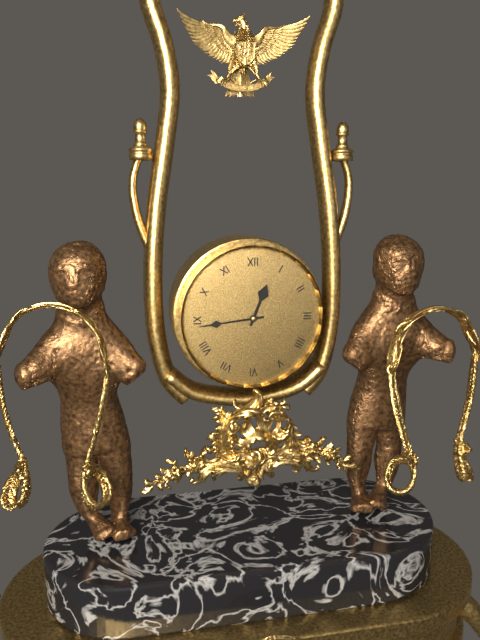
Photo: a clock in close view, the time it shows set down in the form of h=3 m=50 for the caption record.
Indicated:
h=12 m=44
